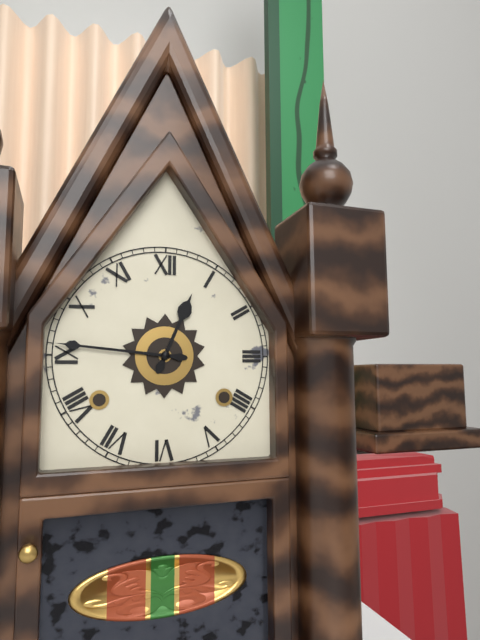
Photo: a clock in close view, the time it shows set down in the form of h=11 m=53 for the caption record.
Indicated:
h=12 m=46
